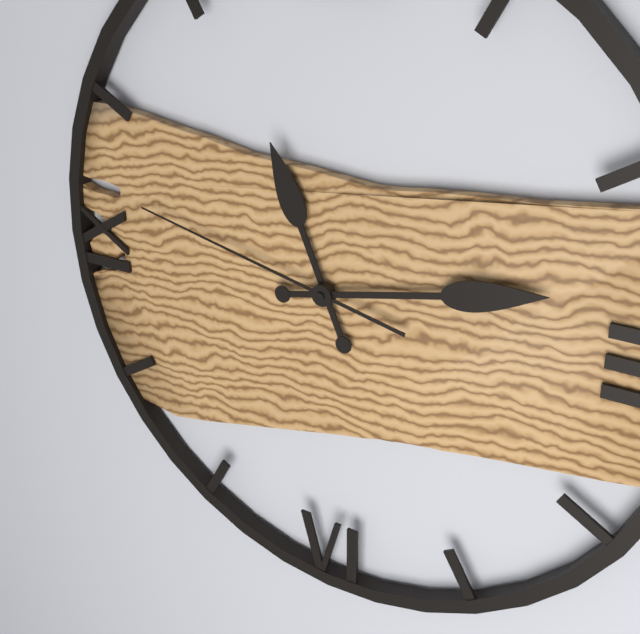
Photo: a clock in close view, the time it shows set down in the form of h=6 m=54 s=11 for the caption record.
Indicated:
h=11 m=13 s=47
